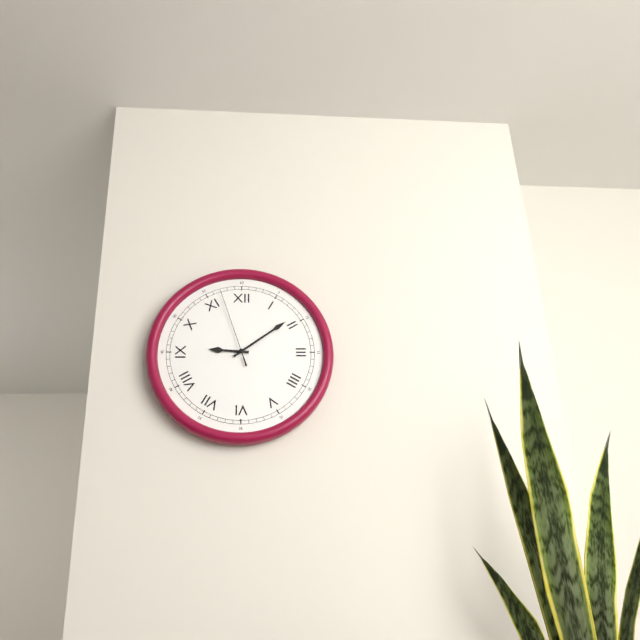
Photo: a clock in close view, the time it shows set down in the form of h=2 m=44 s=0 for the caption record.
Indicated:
h=9 m=9 s=57
